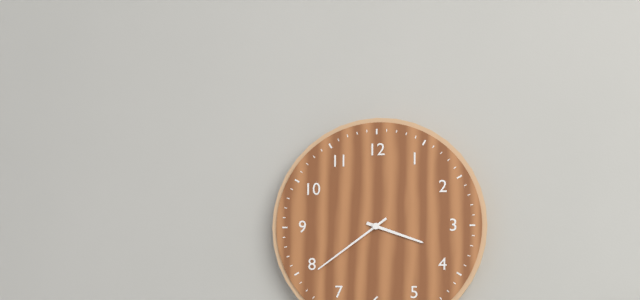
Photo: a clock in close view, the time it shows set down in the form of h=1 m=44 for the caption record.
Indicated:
h=3 m=39
